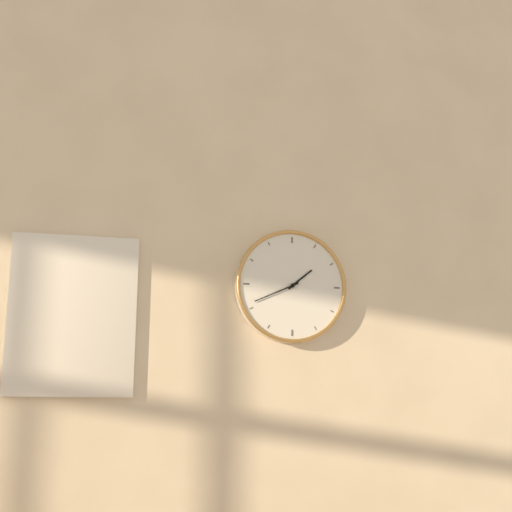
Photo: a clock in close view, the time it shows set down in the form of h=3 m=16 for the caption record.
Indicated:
h=1 m=41
